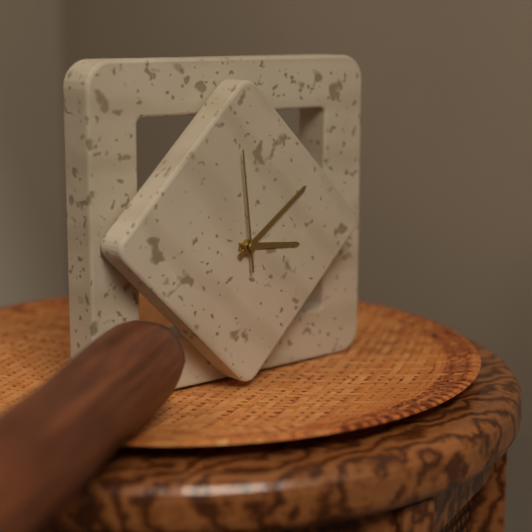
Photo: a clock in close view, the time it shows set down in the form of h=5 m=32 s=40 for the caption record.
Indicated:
h=3 m=9 s=59
